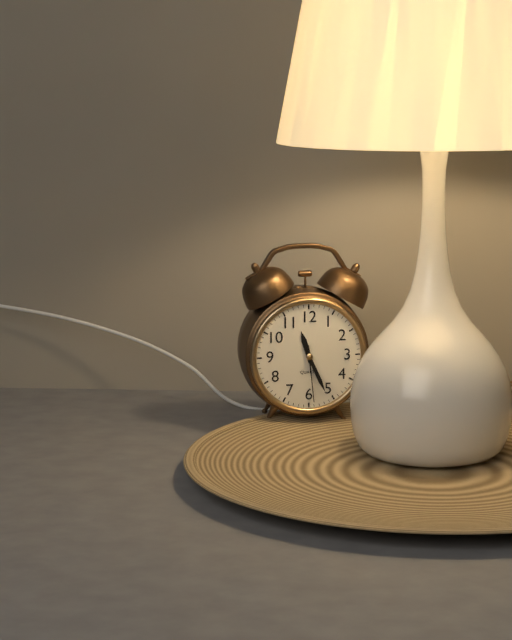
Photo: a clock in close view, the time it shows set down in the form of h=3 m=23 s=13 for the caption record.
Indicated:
h=11 m=26 s=29
